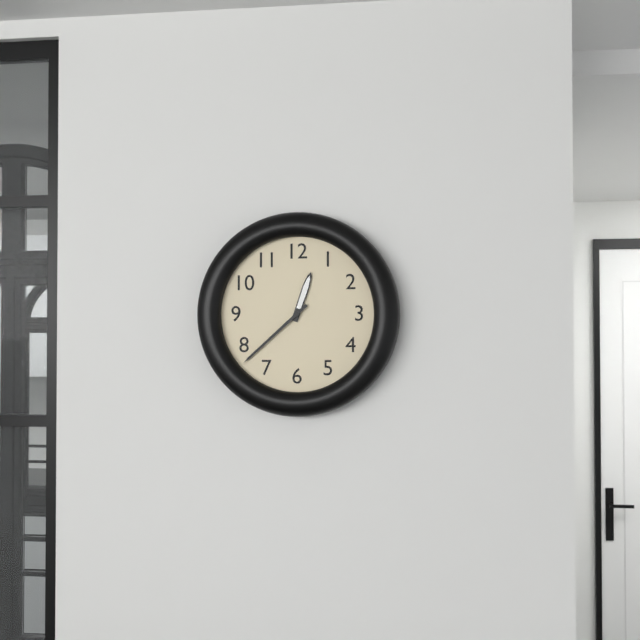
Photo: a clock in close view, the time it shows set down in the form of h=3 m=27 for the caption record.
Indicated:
h=12 m=38
